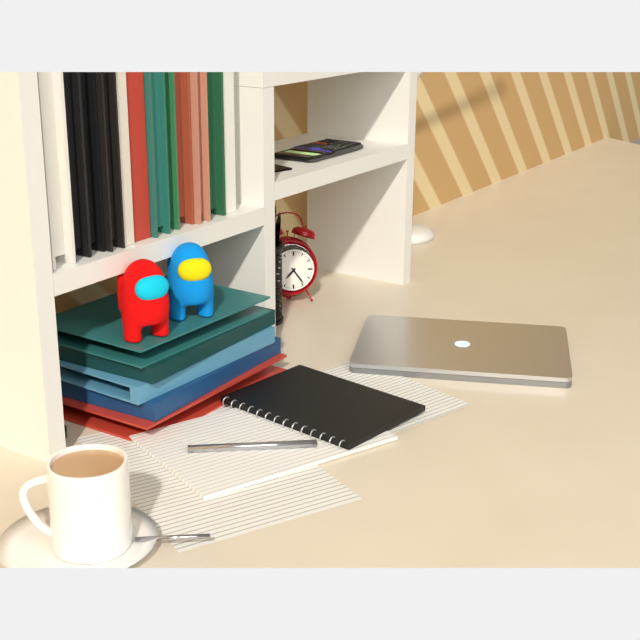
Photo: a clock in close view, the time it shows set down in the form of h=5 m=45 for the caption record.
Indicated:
h=7 m=24
